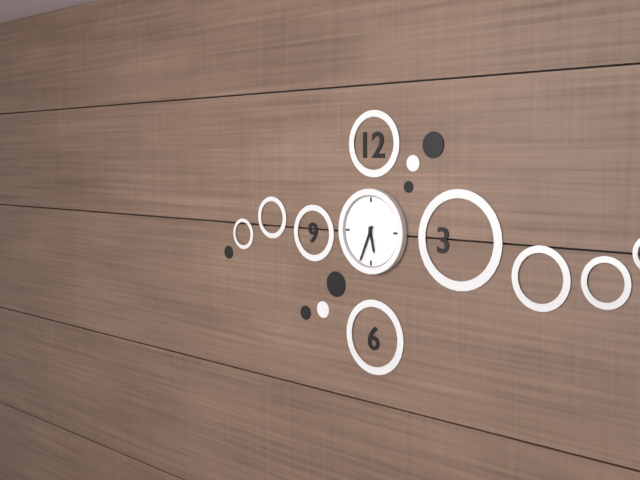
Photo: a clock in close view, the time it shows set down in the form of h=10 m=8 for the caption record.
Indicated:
h=5 m=34
